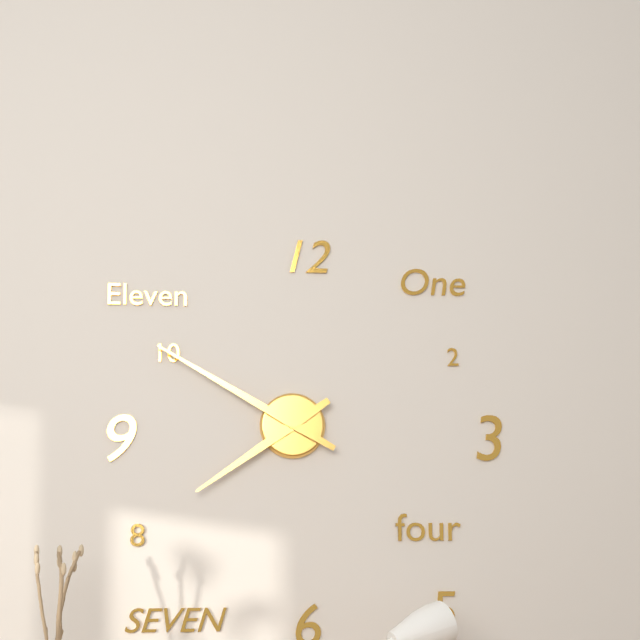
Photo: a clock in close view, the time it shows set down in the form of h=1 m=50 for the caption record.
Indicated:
h=7 m=50
